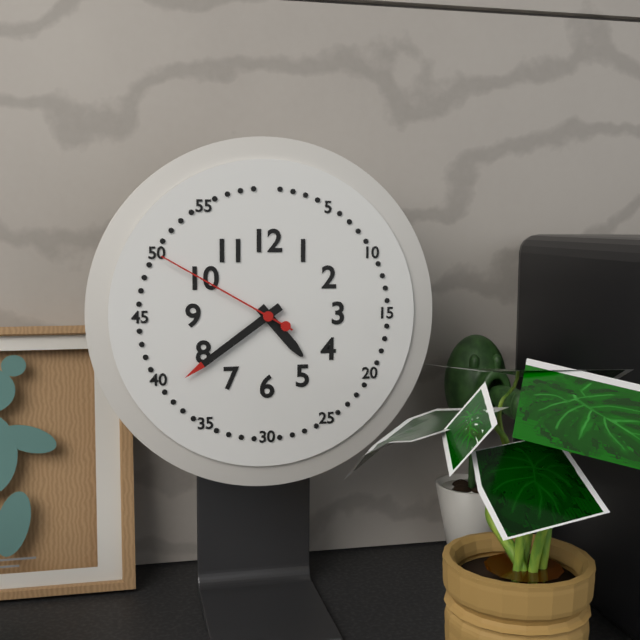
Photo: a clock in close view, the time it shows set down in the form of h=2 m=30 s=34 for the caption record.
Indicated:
h=4 m=39 s=50
